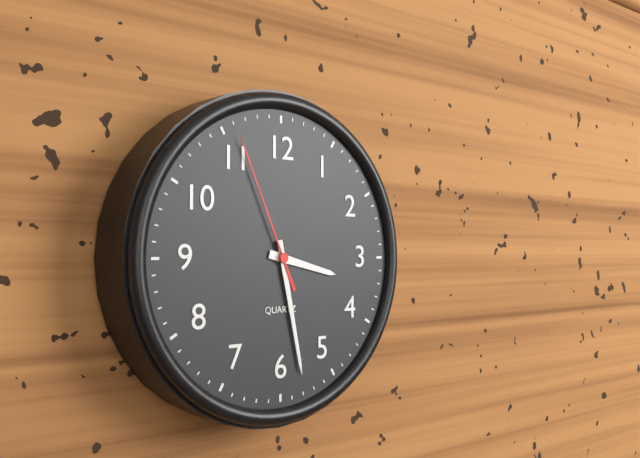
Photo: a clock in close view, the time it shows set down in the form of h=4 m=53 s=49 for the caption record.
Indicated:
h=3 m=28 s=56
